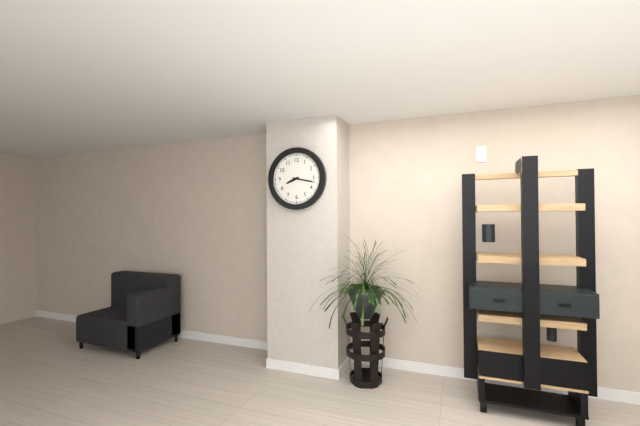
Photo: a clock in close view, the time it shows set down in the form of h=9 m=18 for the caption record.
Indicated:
h=8 m=17
